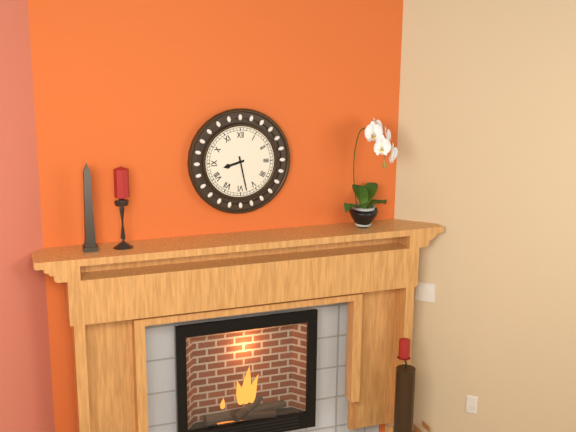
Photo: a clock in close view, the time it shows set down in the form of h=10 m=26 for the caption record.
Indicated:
h=8 m=28
